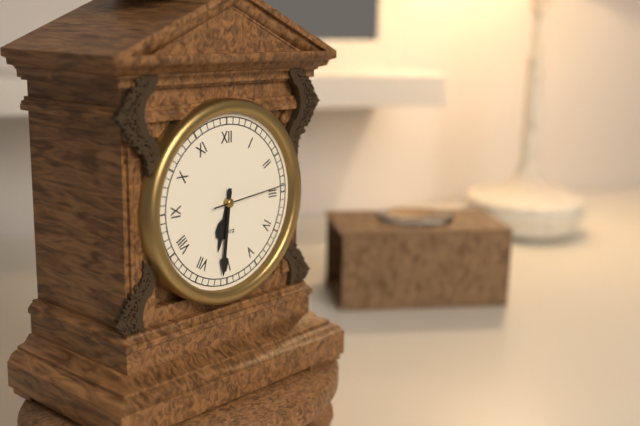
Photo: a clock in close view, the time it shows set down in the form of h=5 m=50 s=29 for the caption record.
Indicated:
h=6 m=31 s=14
